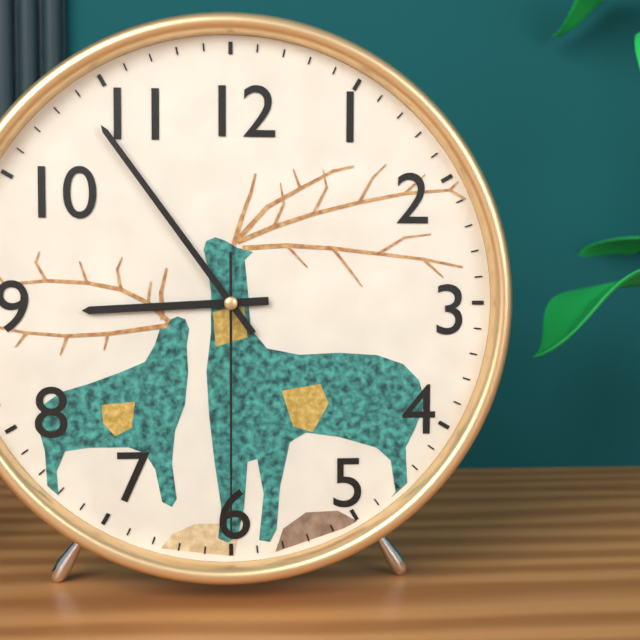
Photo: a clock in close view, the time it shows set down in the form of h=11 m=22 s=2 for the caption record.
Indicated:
h=8 m=54 s=30
